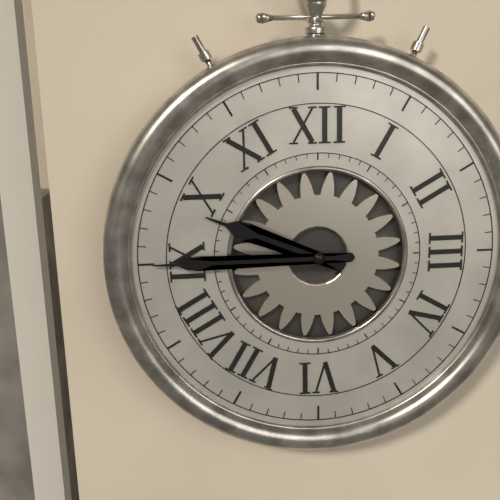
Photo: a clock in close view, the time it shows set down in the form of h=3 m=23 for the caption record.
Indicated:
h=9 m=45
